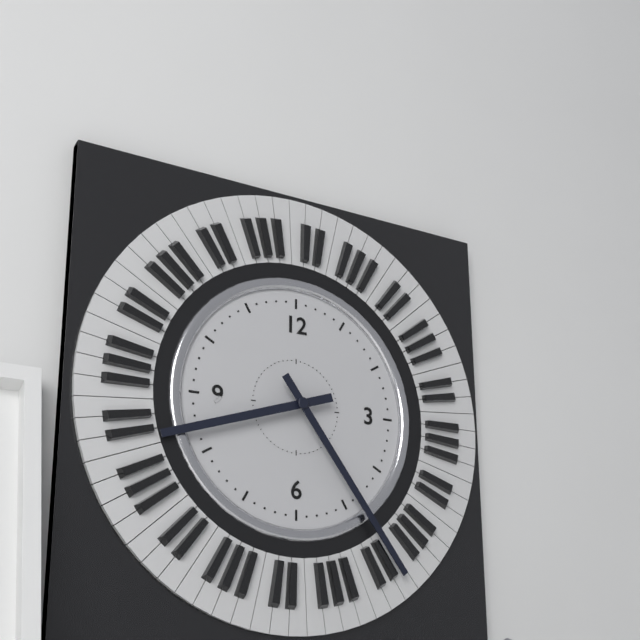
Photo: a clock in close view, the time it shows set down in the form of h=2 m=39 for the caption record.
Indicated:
h=8 m=24
